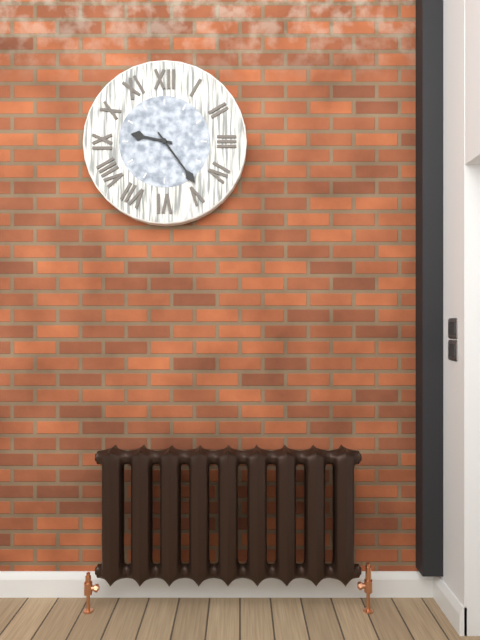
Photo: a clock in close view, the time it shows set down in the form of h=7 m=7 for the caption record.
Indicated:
h=9 m=24
